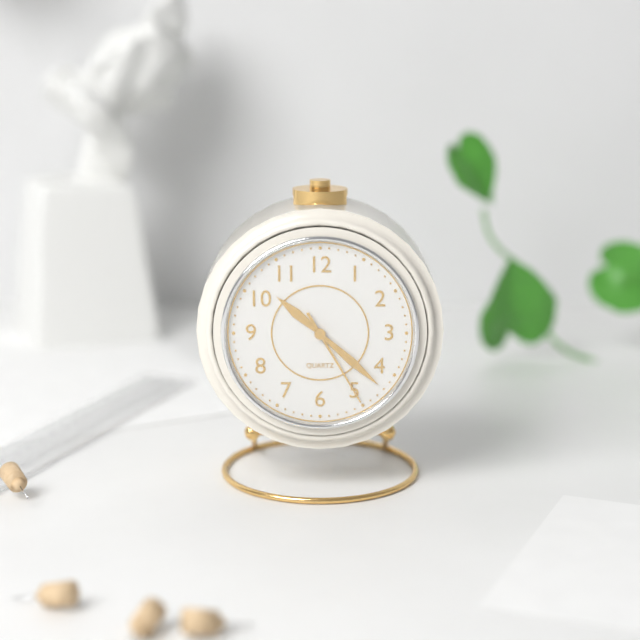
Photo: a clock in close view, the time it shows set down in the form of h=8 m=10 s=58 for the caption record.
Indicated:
h=10 m=22 s=25
